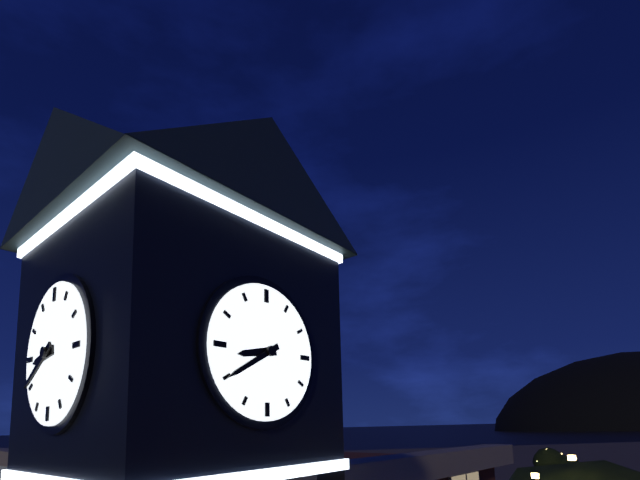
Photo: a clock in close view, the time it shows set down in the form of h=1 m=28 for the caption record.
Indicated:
h=8 m=40
